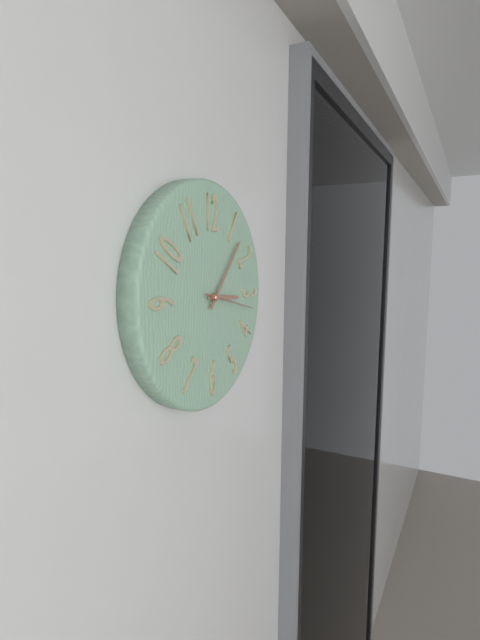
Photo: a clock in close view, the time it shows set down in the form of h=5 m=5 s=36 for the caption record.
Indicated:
h=3 m=7 s=17
